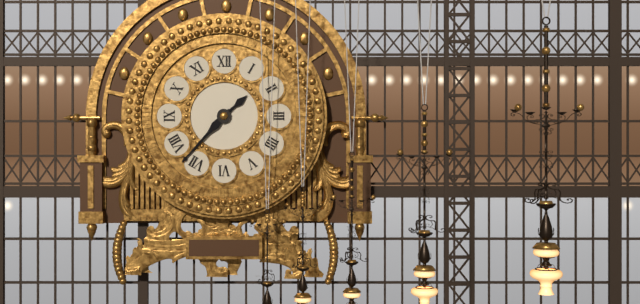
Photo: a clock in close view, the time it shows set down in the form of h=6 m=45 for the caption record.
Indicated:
h=1 m=37
